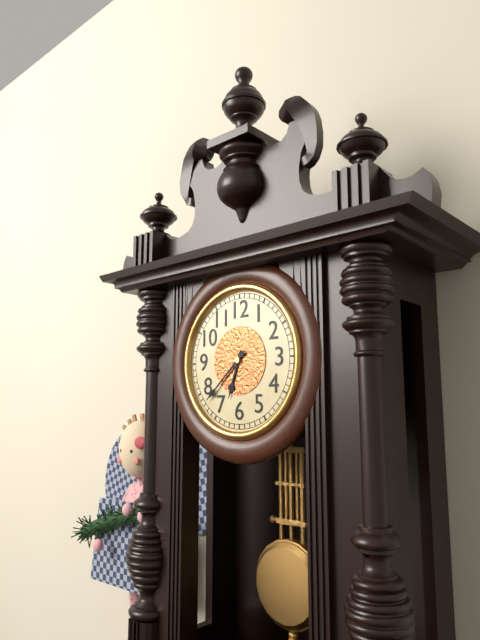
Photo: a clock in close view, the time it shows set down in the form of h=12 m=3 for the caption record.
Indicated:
h=6 m=38
